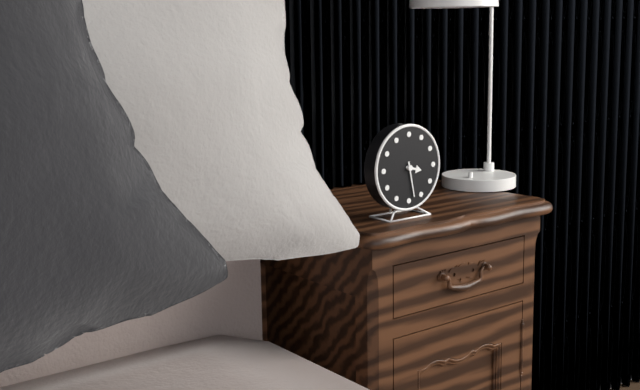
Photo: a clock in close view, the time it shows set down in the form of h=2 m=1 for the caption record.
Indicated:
h=3 m=28
